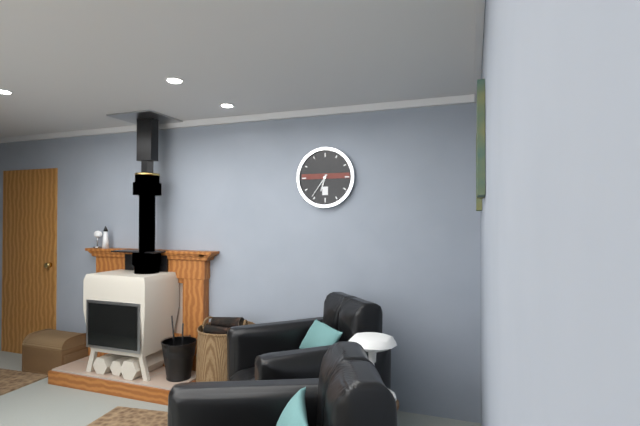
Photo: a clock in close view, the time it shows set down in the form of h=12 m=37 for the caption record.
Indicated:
h=6 m=36
